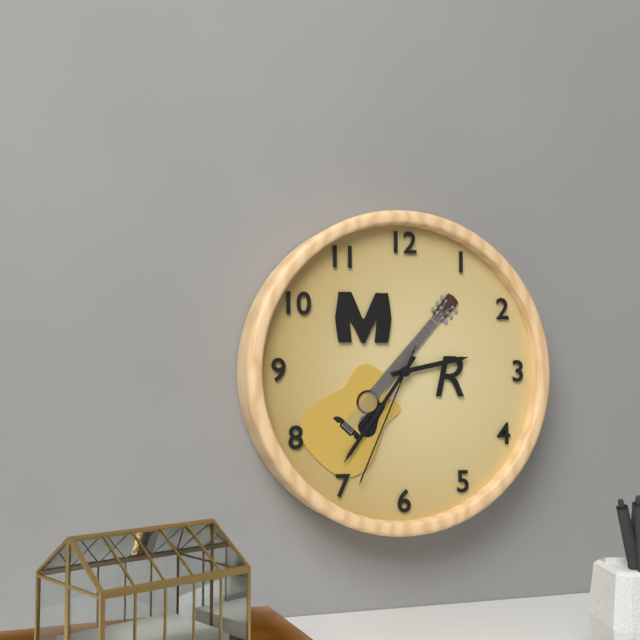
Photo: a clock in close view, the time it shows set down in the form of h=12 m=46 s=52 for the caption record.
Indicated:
h=2 m=36 s=34
